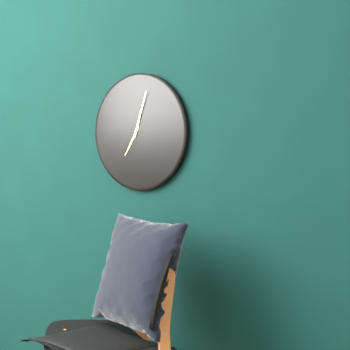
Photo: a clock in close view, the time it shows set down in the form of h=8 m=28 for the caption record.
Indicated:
h=7 m=3
